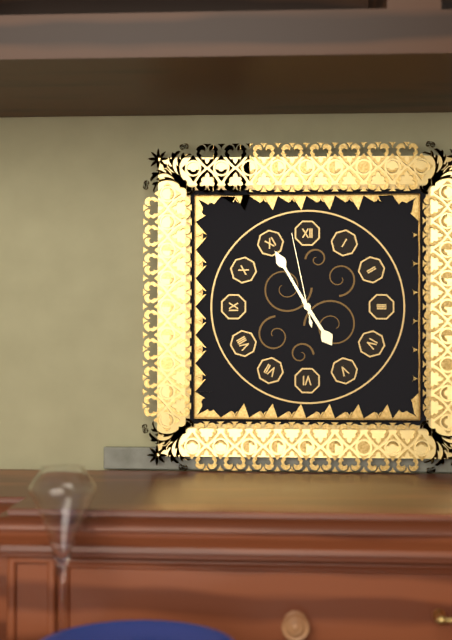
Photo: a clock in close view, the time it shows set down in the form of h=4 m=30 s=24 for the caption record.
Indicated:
h=4 m=55 s=58
